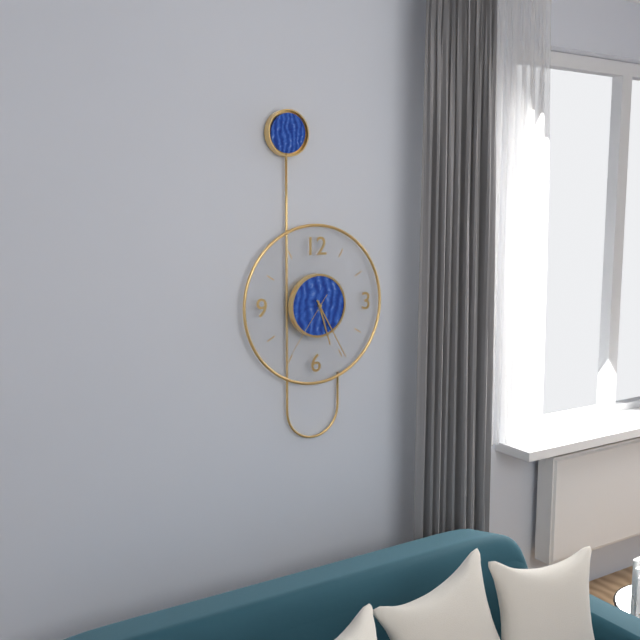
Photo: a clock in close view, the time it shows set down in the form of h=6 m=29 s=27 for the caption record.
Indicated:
h=5 m=25 s=36
